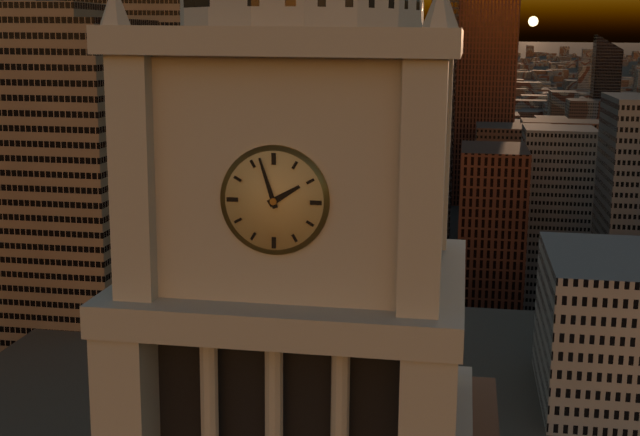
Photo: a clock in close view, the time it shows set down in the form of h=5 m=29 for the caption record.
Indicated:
h=1 m=57
